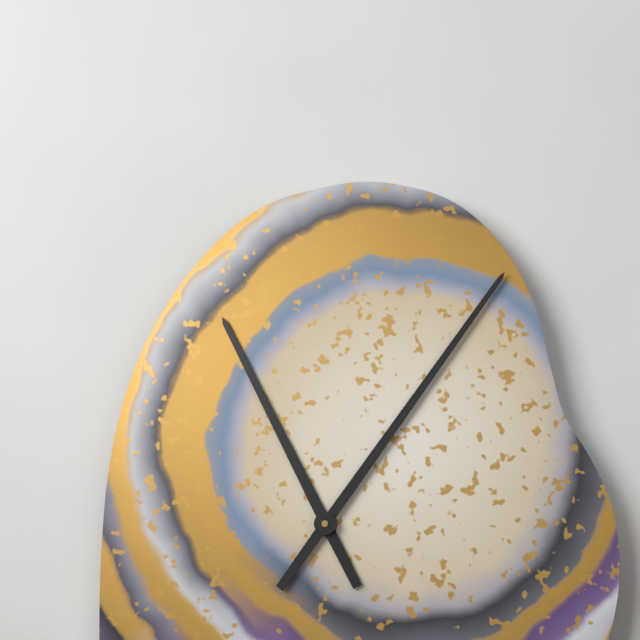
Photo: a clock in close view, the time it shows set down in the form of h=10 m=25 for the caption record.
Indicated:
h=11 m=6
